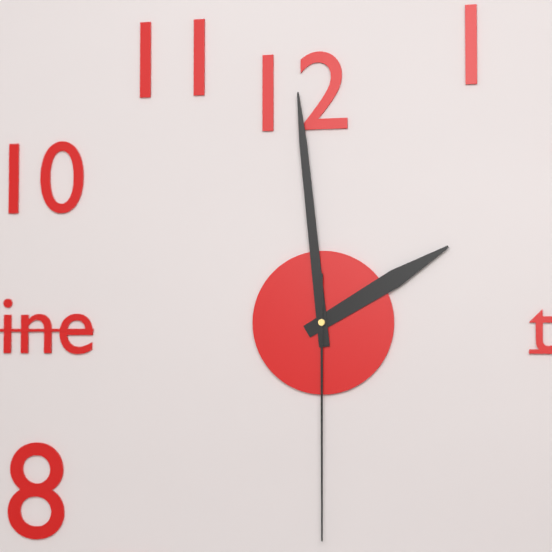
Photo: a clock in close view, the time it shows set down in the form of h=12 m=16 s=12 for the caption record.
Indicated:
h=1 m=59 s=30
